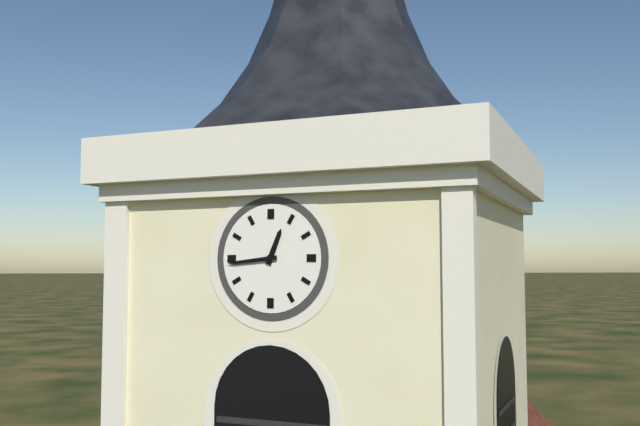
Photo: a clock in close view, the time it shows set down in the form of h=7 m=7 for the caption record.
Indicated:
h=12 m=44
